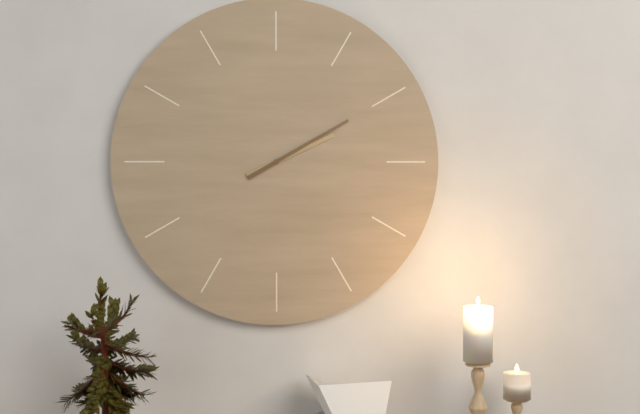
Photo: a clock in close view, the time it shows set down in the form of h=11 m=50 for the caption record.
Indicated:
h=2 m=10
